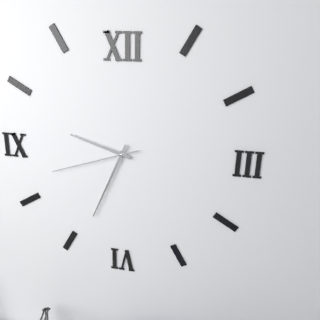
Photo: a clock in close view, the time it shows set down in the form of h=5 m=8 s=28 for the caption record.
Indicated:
h=9 m=34 s=42
